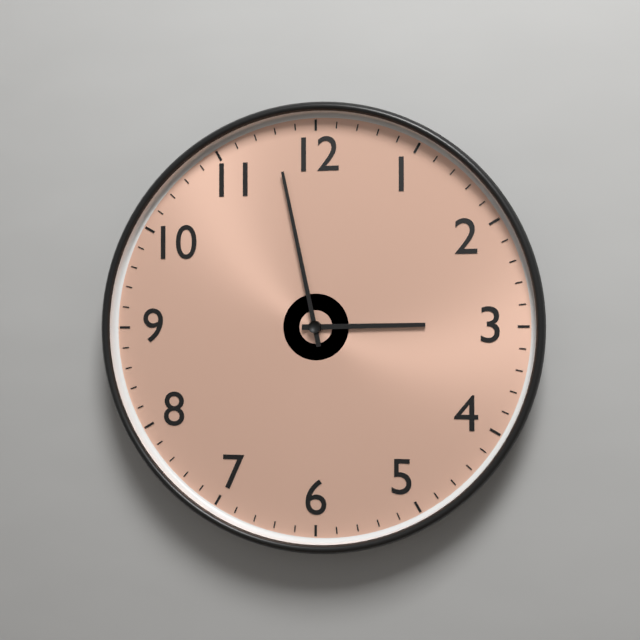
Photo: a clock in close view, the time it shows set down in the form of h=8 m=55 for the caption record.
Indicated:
h=2 m=58
